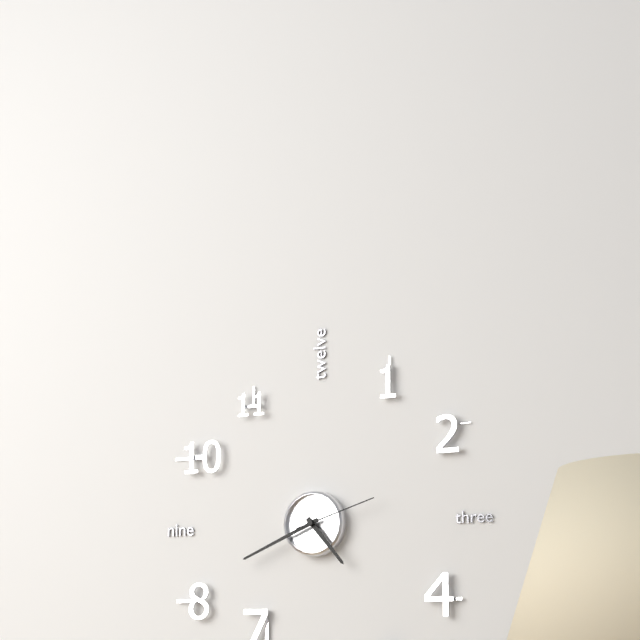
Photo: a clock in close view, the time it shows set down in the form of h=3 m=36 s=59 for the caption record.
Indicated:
h=4 m=41 s=12
